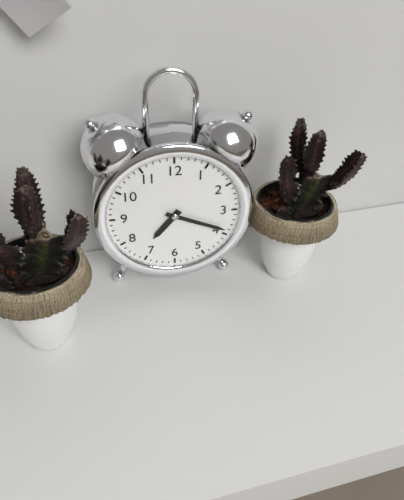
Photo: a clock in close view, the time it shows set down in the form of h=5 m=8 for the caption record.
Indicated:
h=7 m=19
